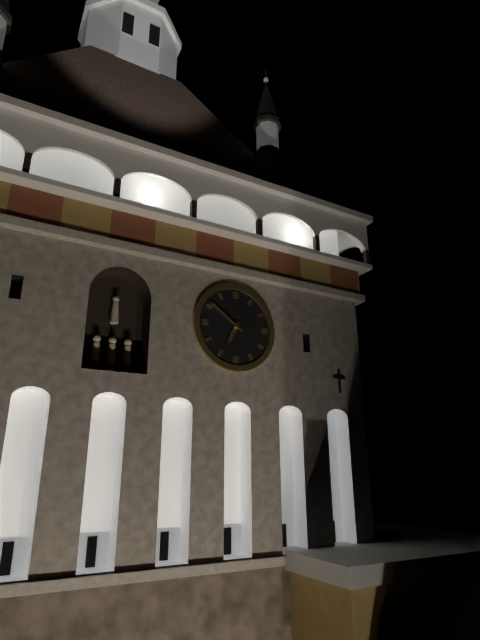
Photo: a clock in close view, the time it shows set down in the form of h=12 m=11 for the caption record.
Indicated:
h=6 m=51
